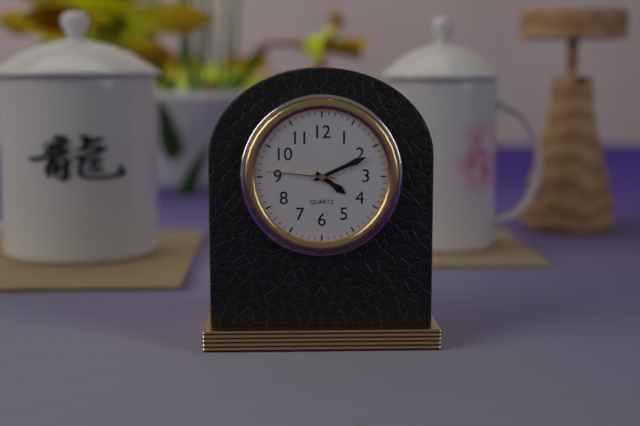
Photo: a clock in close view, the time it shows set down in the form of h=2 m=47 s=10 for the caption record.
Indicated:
h=4 m=11 s=46
